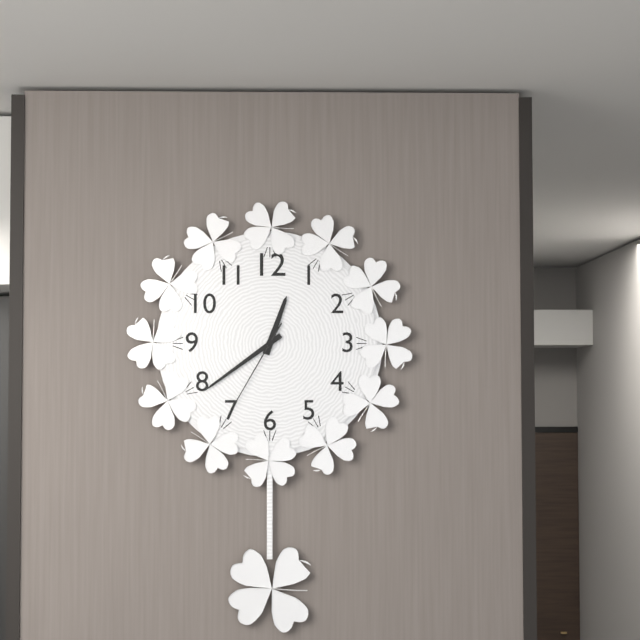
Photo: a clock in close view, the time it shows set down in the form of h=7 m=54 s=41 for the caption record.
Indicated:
h=12 m=39 s=35
